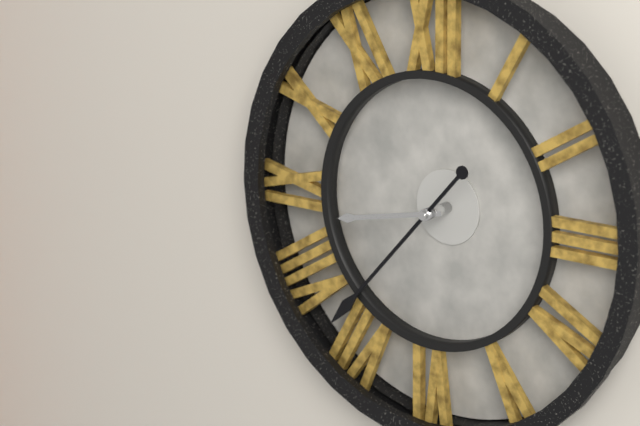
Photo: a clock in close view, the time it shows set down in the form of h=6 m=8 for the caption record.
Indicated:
h=8 m=37
